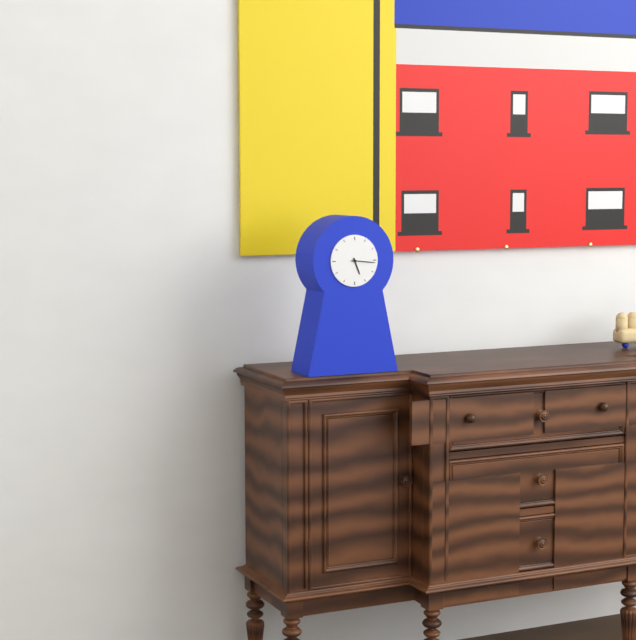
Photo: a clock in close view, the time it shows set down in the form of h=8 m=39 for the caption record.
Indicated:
h=5 m=16
